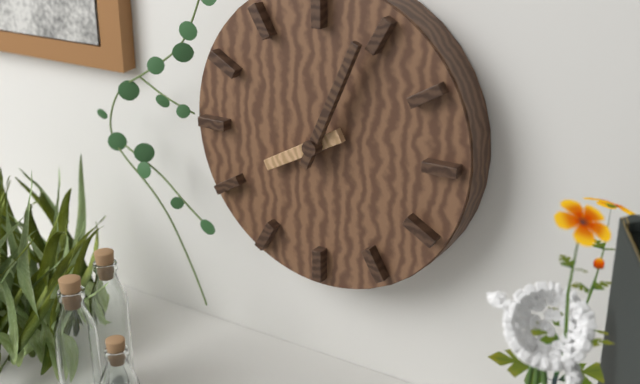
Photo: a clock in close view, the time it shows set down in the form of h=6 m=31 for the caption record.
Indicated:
h=8 m=4
